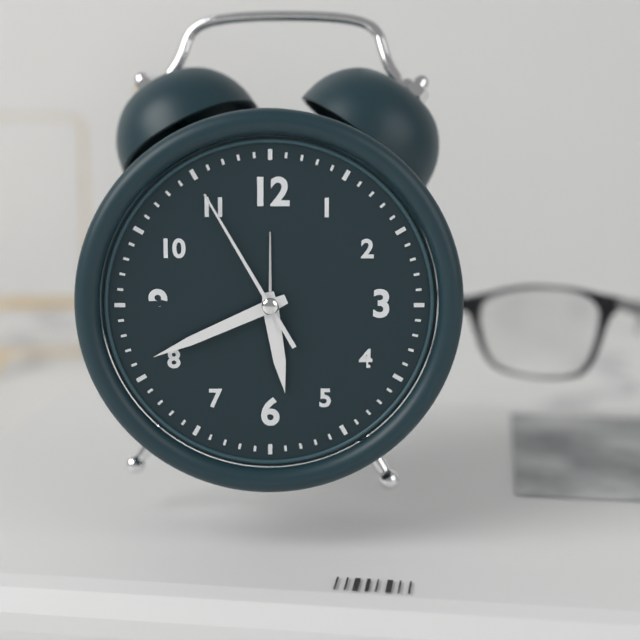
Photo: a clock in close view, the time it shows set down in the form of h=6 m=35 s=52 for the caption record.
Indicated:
h=5 m=41 s=55
